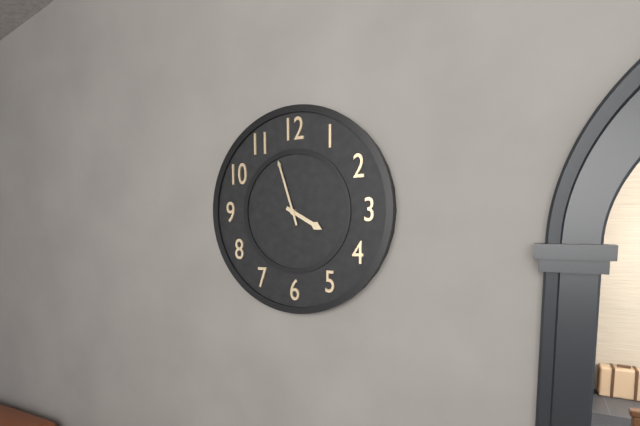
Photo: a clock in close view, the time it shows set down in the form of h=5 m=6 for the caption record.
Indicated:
h=3 m=57
